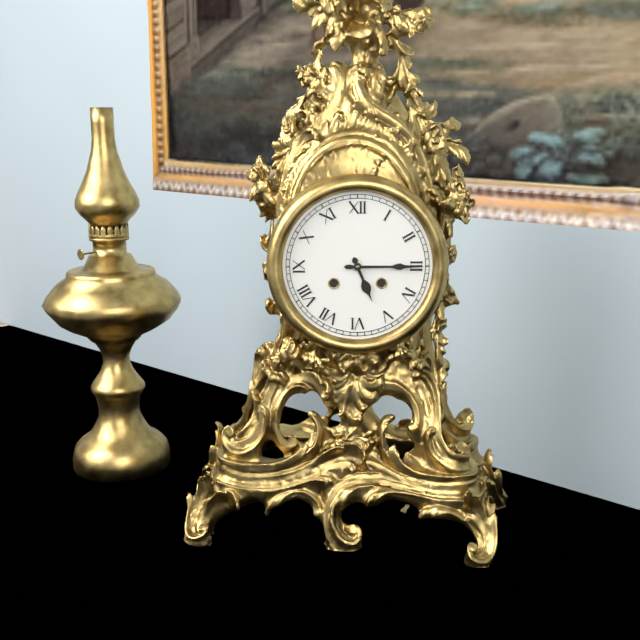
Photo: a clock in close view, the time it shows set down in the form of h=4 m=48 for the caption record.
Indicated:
h=5 m=15
